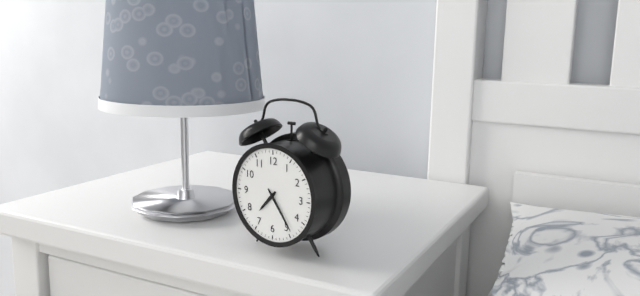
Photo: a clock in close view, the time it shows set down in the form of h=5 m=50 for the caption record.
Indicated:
h=7 m=24
